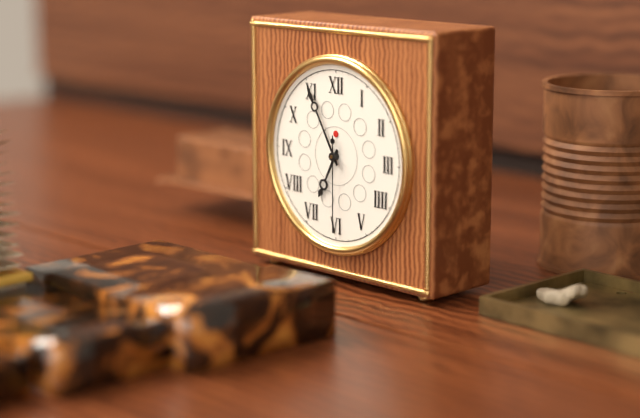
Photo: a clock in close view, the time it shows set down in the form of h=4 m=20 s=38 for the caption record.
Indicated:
h=6 m=55 s=30
